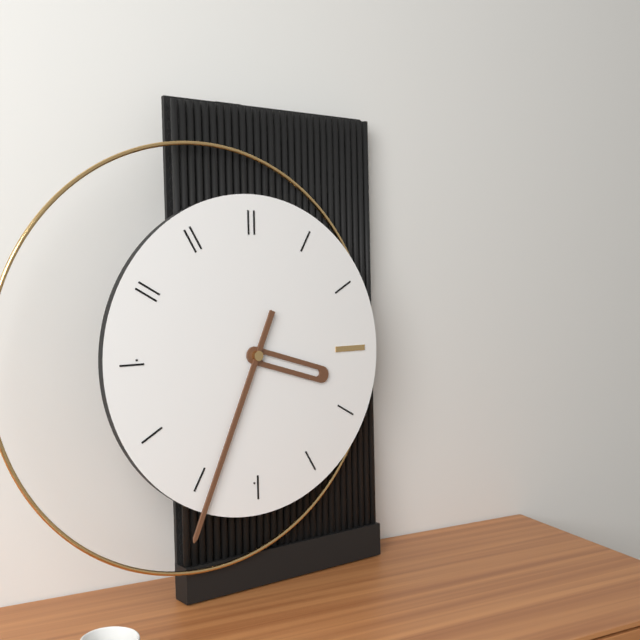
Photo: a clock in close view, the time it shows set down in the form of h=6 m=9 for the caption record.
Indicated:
h=3 m=34
